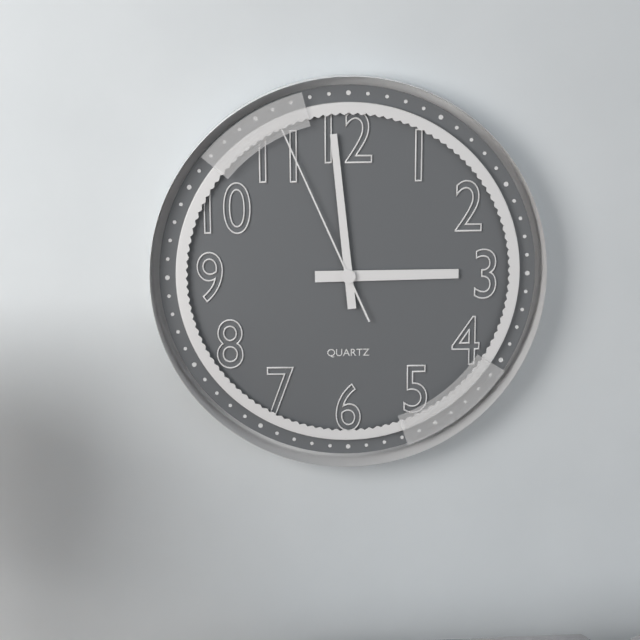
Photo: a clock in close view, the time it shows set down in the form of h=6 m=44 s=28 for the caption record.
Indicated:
h=2 m=59 s=56
